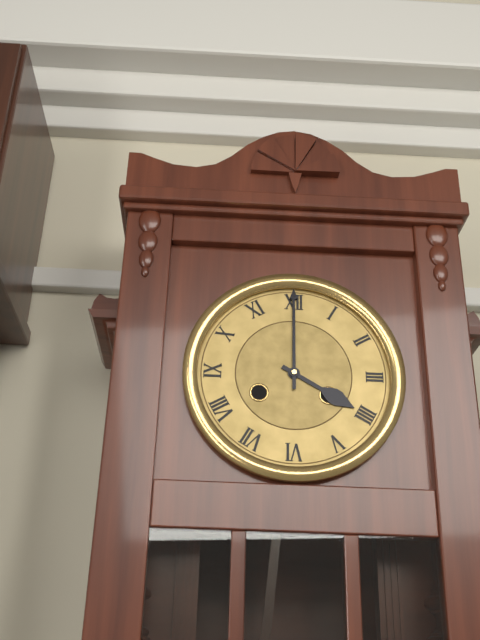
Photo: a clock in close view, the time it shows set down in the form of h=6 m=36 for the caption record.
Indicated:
h=4 m=0
